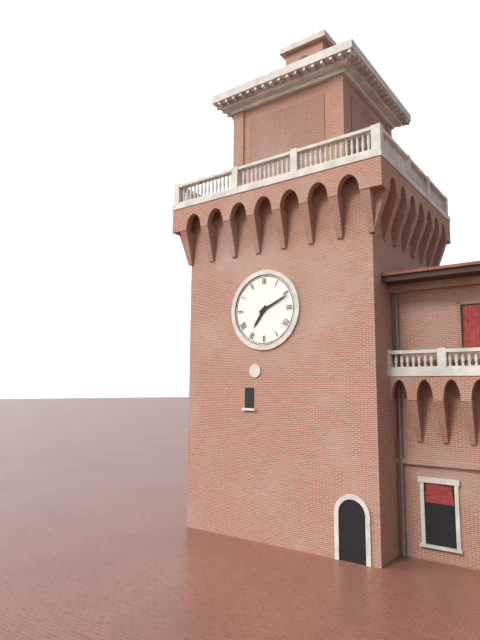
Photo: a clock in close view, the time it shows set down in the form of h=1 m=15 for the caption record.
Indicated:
h=7 m=11
